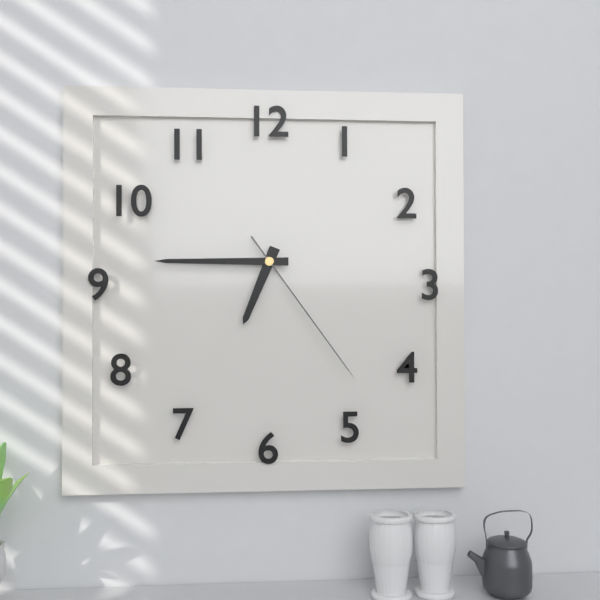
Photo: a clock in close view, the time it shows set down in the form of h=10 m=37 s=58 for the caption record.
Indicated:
h=6 m=45 s=24
